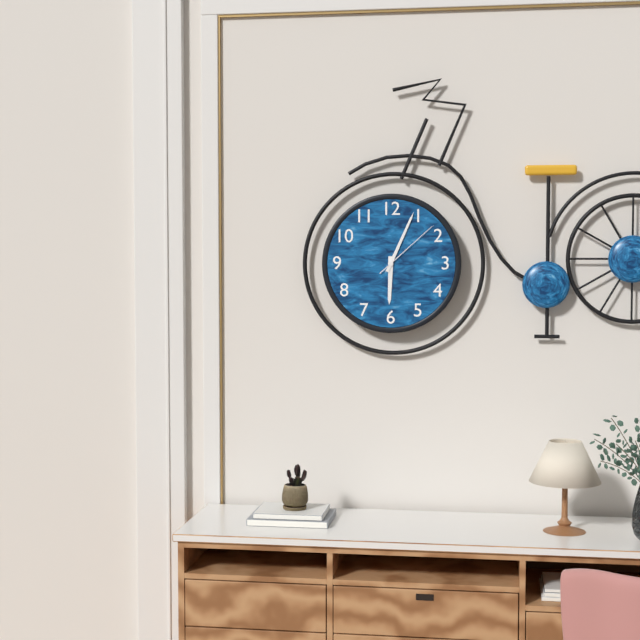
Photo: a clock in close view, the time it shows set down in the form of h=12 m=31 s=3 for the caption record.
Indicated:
h=6 m=4 s=8
